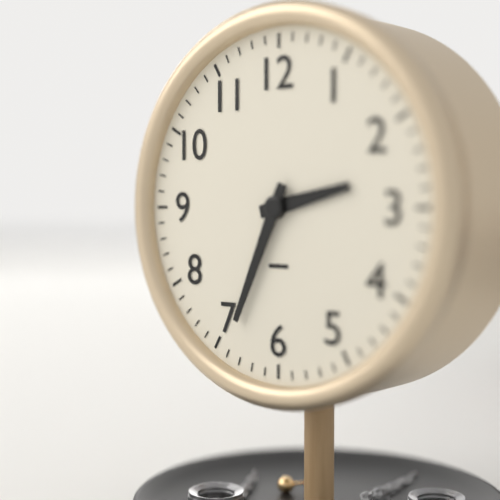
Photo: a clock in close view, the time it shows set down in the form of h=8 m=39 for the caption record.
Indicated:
h=2 m=34
